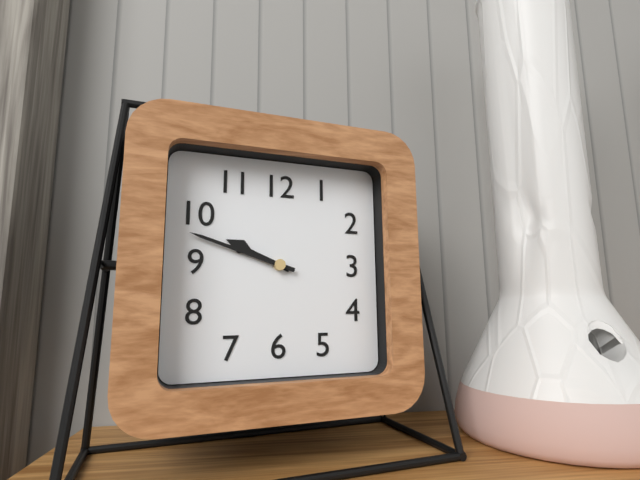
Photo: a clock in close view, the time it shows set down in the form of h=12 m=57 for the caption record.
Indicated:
h=9 m=48
